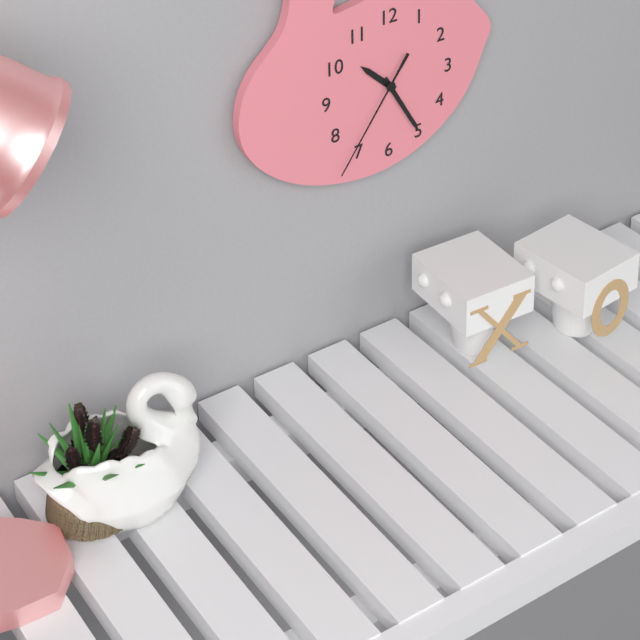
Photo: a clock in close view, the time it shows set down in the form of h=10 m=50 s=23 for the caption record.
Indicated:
h=10 m=25 s=36
